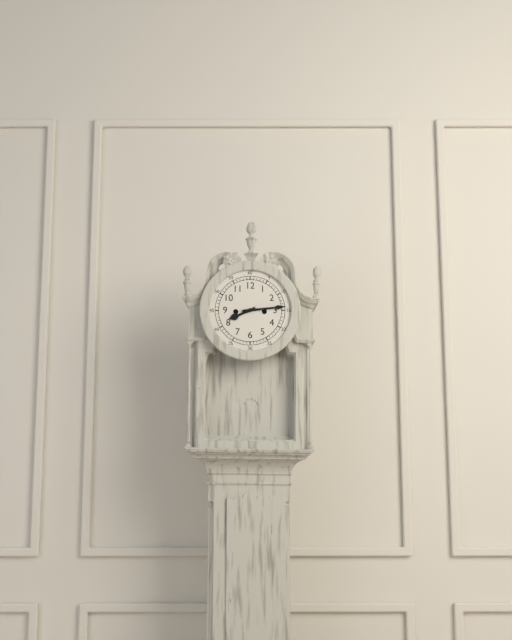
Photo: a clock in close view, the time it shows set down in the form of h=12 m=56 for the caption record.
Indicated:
h=8 m=14
